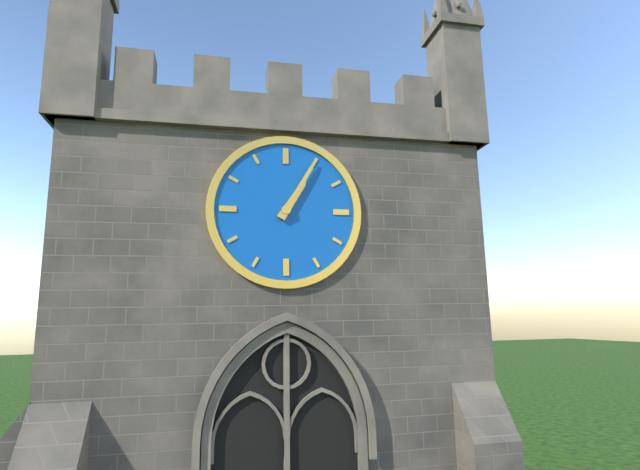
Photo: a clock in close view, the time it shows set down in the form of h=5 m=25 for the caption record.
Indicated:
h=1 m=5
